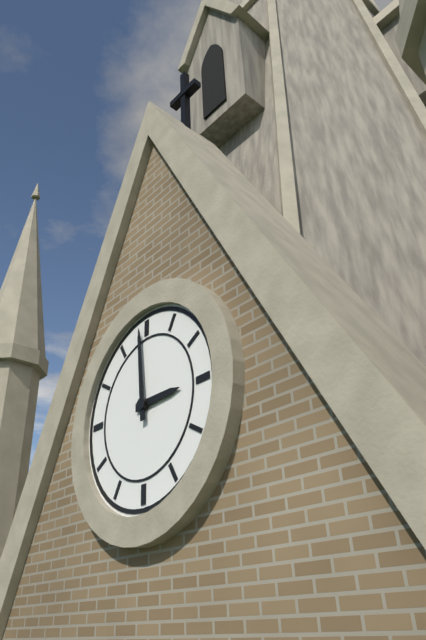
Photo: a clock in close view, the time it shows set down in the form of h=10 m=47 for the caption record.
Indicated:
h=2 m=59
